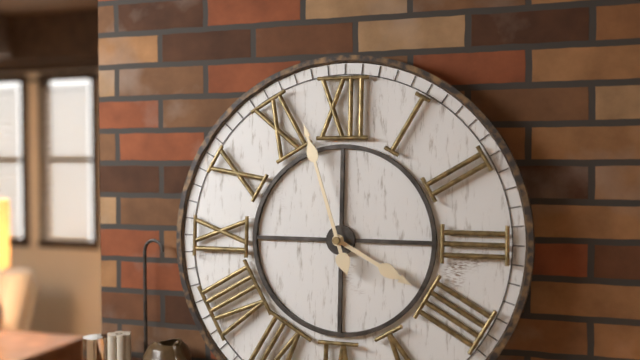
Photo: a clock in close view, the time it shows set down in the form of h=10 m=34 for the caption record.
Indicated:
h=3 m=57
